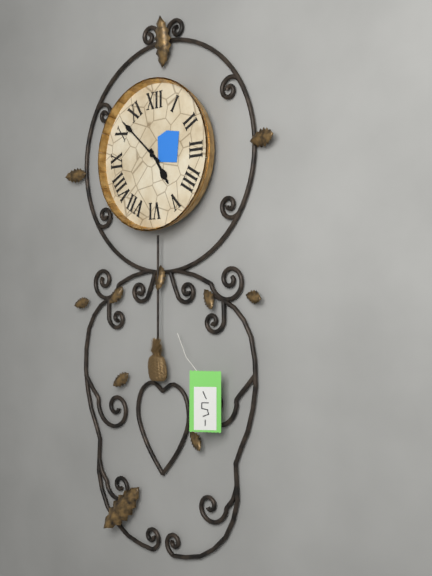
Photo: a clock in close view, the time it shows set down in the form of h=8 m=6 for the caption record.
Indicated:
h=4 m=52
